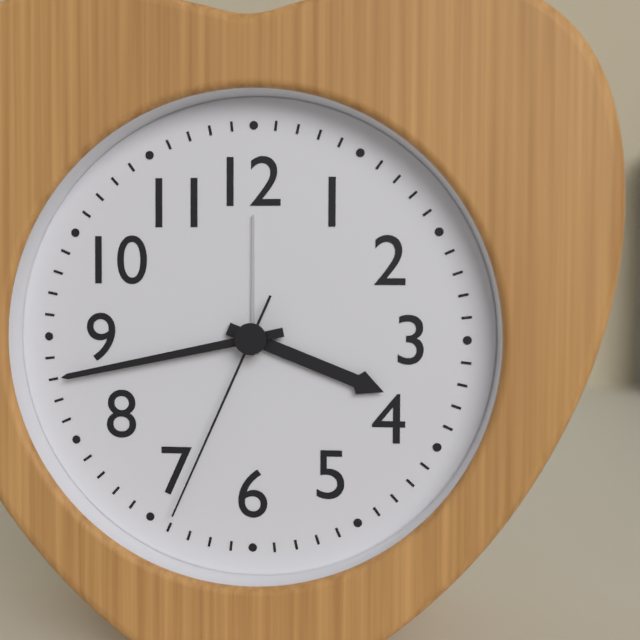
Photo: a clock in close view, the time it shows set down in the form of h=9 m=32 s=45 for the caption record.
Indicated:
h=3 m=43 s=34
